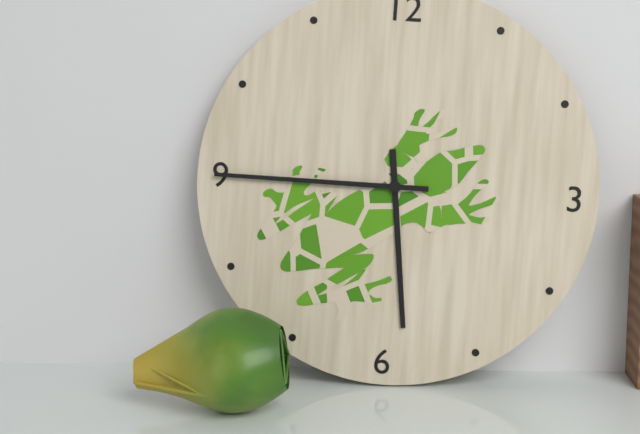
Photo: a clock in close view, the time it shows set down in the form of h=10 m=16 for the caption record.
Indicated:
h=5 m=45
